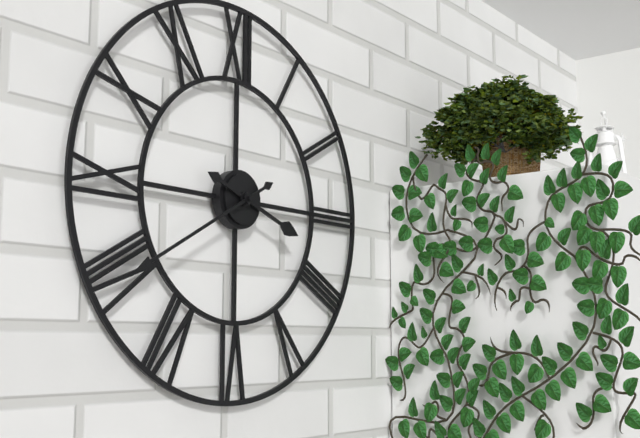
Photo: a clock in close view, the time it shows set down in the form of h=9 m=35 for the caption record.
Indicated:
h=3 m=40
